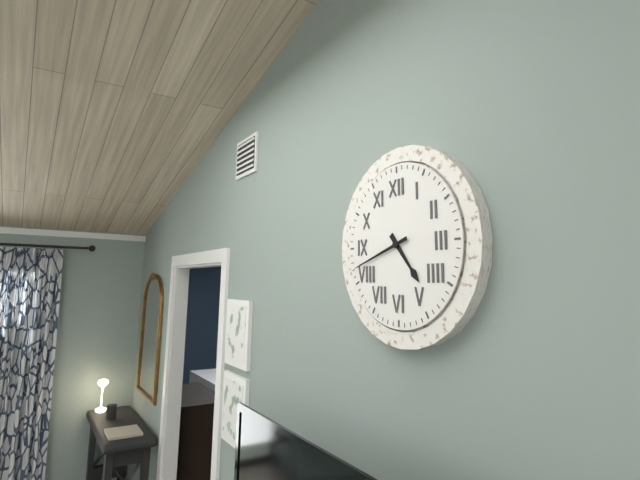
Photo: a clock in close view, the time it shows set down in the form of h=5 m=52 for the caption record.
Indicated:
h=4 m=42
